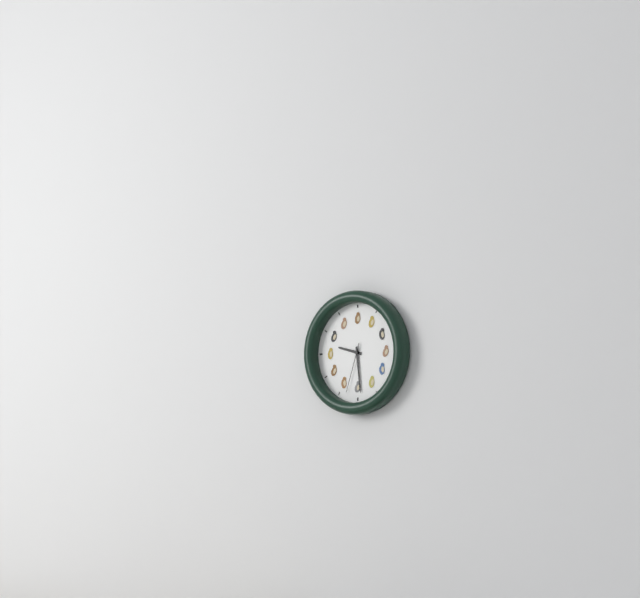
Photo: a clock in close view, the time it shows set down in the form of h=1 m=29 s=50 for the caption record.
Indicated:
h=9 m=29 s=33
